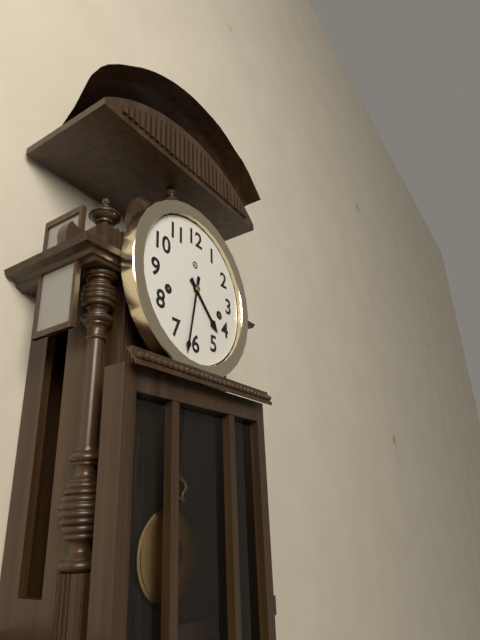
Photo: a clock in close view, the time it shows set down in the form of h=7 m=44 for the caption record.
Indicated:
h=4 m=32
